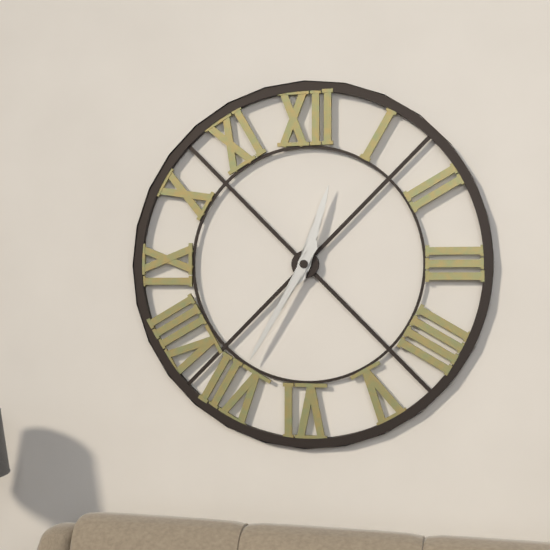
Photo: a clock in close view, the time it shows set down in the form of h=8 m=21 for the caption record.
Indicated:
h=12 m=35
